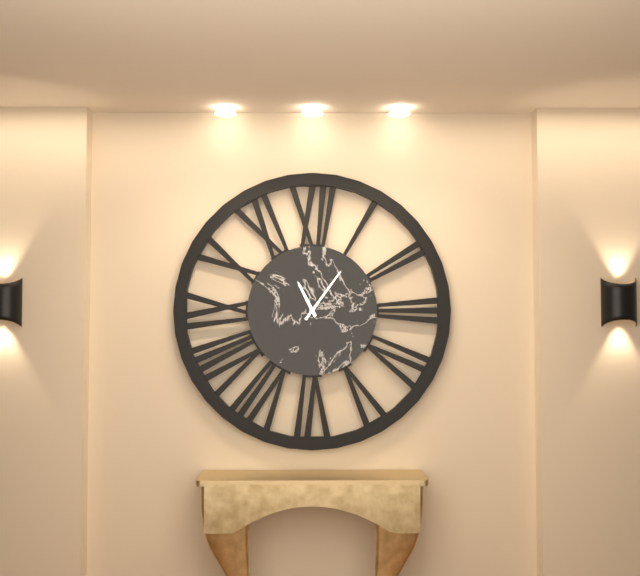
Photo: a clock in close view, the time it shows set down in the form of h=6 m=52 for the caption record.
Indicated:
h=11 m=6
